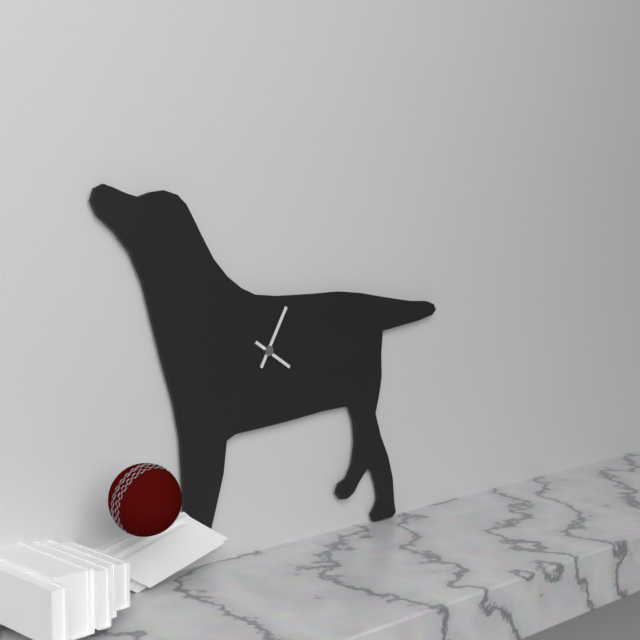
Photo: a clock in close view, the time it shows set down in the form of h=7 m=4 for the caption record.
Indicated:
h=4 m=5
